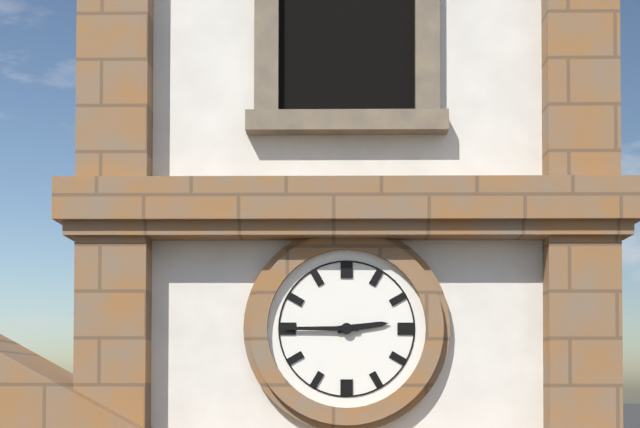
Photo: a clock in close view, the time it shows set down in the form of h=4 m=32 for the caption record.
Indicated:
h=2 m=45
